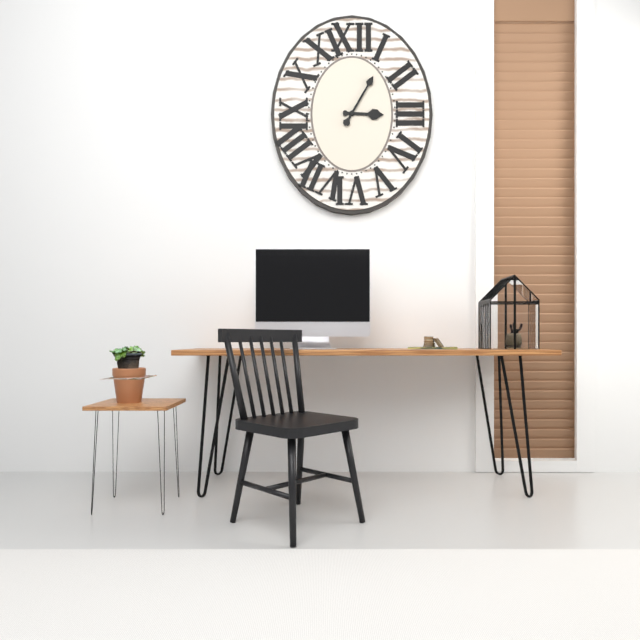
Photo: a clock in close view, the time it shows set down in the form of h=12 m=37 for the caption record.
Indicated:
h=3 m=5
